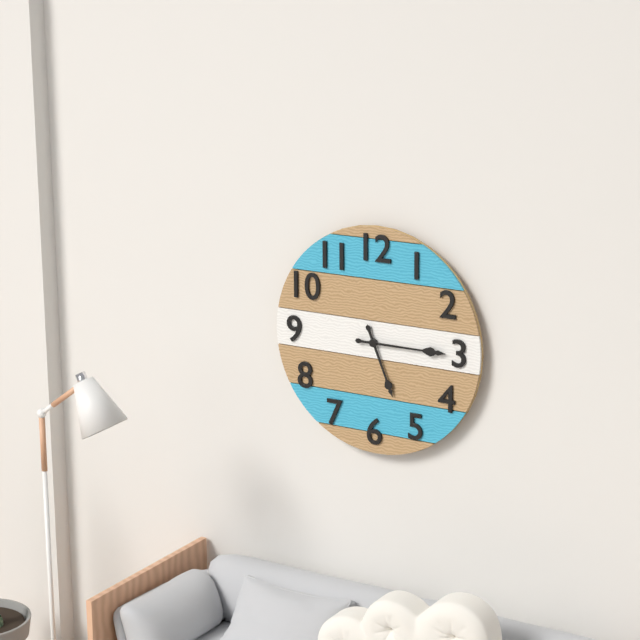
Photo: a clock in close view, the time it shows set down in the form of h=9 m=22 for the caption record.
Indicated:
h=5 m=15
